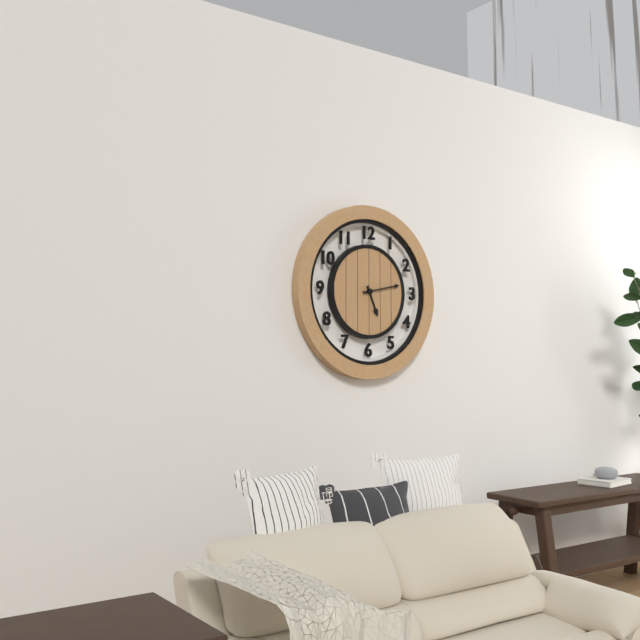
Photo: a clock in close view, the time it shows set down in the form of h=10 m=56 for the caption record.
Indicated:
h=5 m=13
